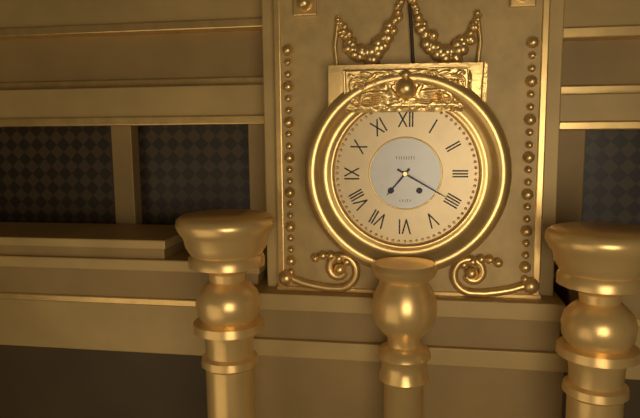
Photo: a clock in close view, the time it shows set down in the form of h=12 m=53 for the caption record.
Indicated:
h=7 m=20
